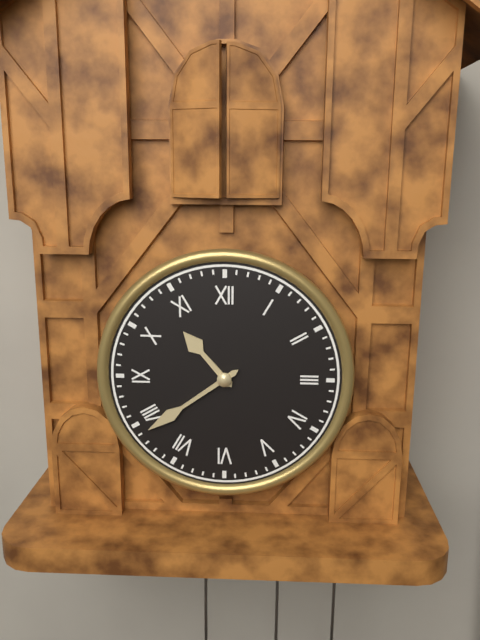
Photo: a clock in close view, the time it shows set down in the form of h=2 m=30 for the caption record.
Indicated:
h=10 m=39
